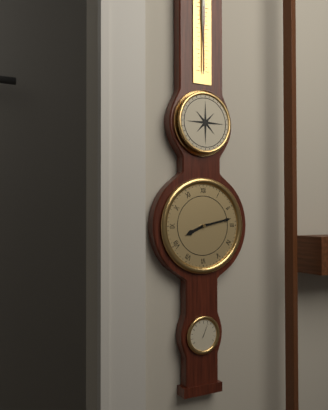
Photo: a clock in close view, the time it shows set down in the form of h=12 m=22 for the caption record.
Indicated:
h=8 m=13
